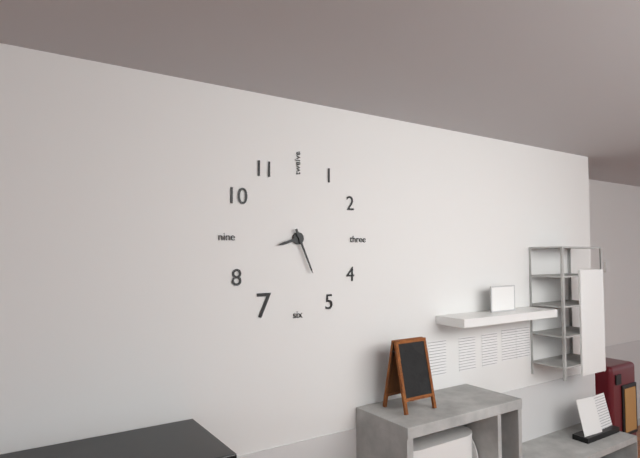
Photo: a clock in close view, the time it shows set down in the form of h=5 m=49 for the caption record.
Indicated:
h=8 m=26
